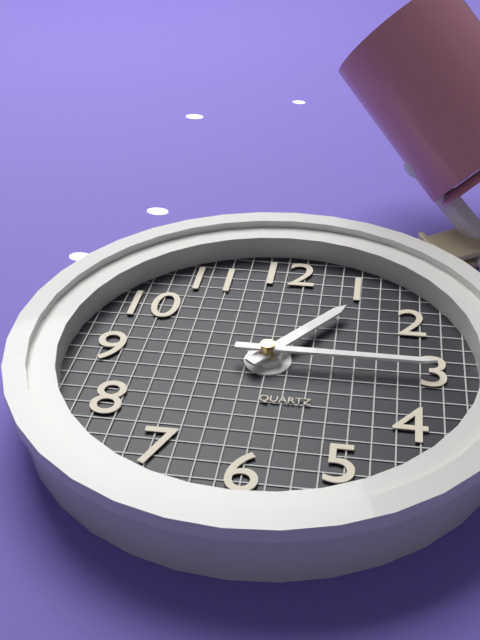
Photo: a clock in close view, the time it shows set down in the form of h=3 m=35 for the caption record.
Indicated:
h=1 m=15
